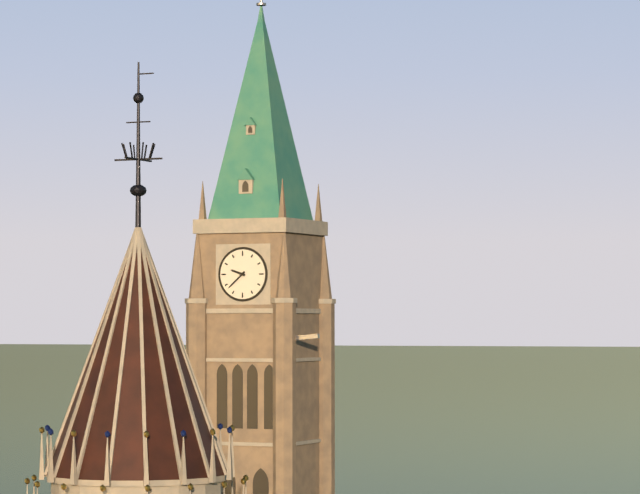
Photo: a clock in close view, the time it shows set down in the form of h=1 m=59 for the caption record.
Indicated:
h=9 m=38
